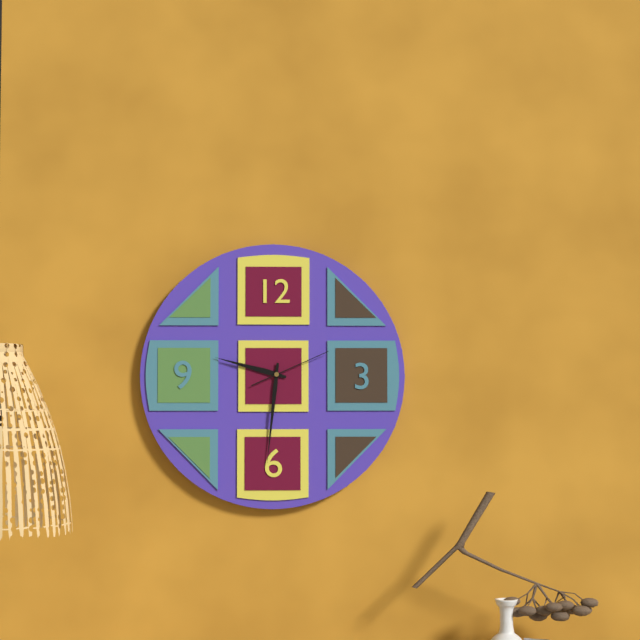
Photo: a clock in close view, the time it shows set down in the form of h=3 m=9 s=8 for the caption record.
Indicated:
h=9 m=31 s=11
